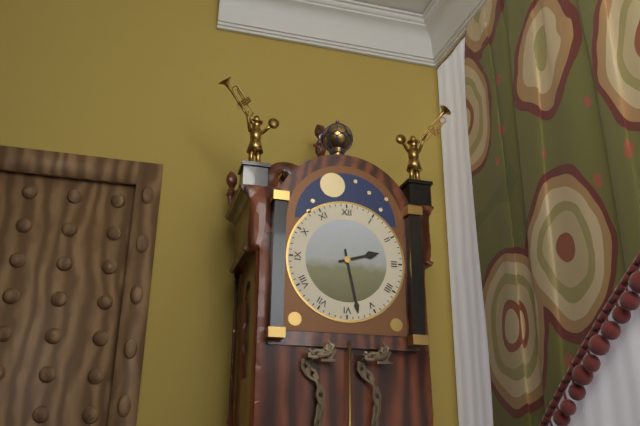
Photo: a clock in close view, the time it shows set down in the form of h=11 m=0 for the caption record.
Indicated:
h=2 m=28
